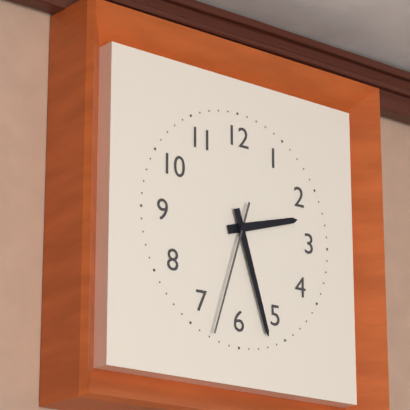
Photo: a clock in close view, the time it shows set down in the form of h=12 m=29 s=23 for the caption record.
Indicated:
h=2 m=27 s=33
